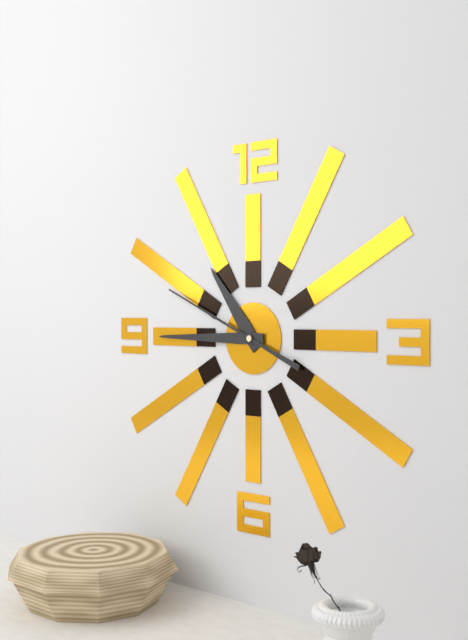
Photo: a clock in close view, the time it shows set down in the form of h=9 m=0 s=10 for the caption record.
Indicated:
h=10 m=45 s=49
